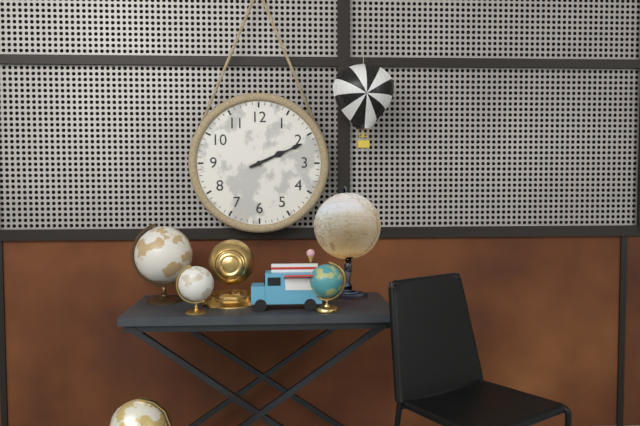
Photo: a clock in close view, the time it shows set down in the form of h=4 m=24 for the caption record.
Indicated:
h=2 m=11
